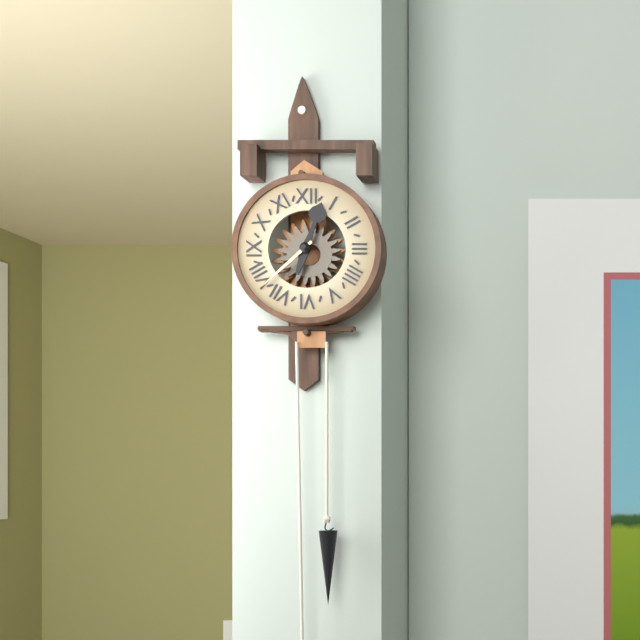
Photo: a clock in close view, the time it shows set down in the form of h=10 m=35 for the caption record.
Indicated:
h=12 m=38
